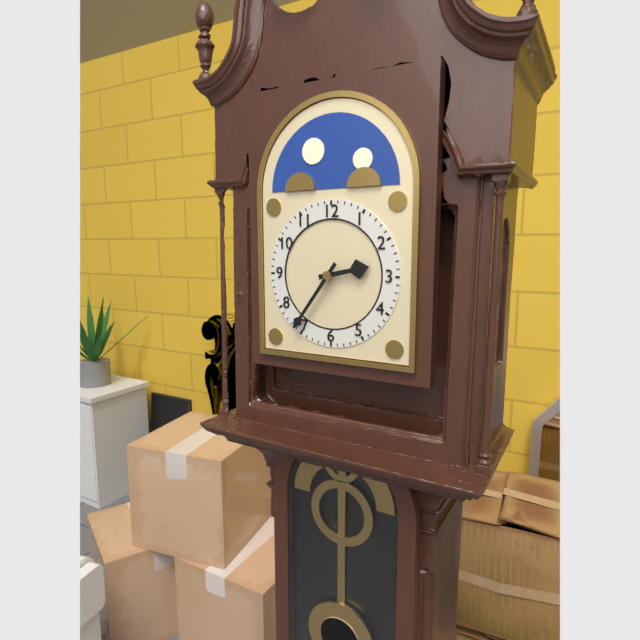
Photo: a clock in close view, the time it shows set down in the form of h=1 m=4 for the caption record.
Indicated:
h=2 m=36
